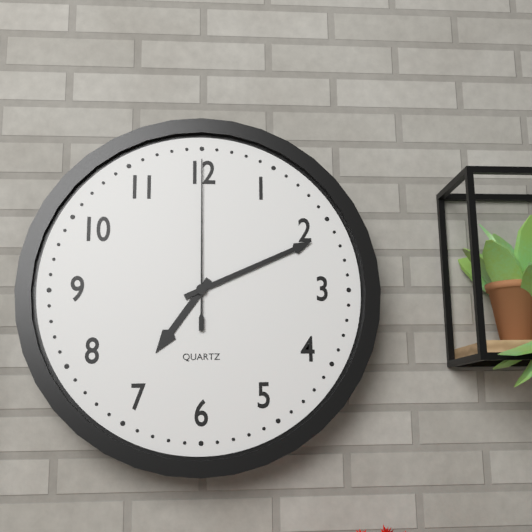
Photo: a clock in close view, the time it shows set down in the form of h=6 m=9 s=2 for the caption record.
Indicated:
h=7 m=11 s=0
